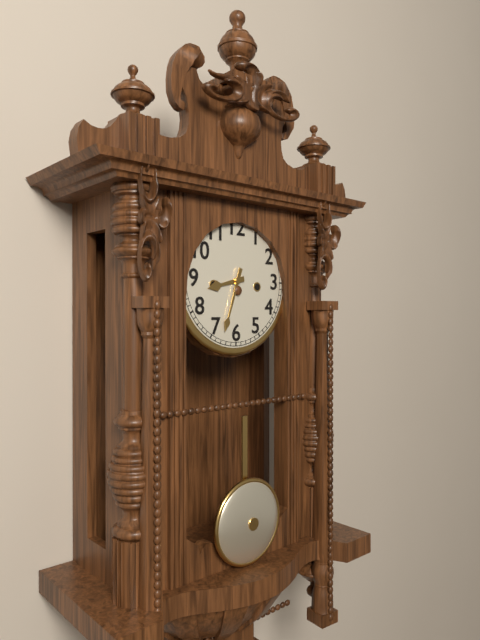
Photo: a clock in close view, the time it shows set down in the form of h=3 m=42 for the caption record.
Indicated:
h=8 m=33
